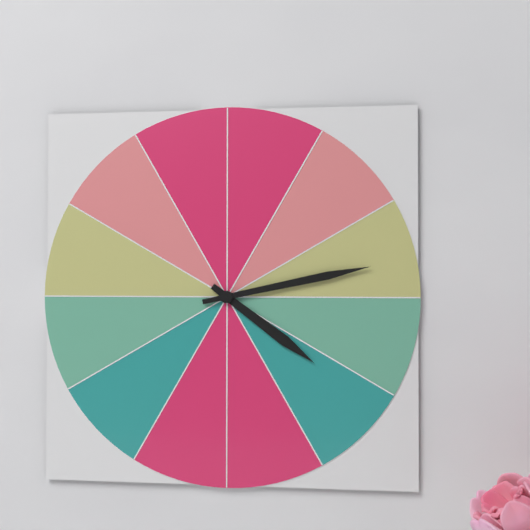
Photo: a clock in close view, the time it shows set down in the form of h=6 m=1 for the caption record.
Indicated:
h=4 m=13
